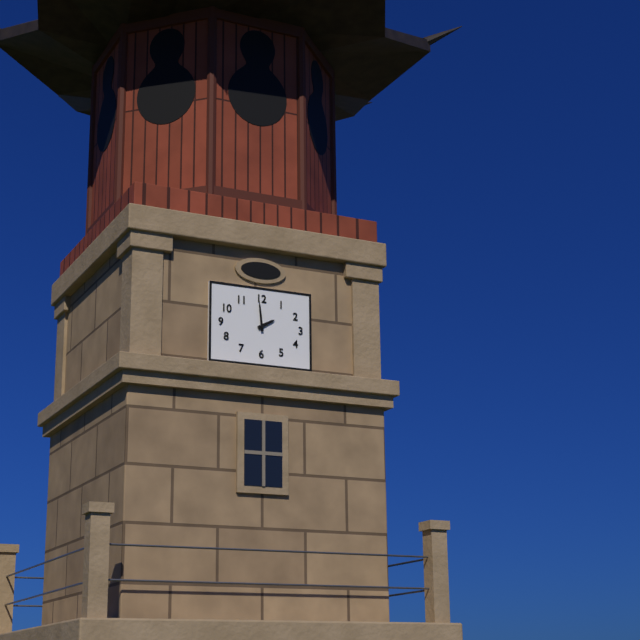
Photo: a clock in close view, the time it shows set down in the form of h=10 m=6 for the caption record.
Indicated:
h=1 m=59
